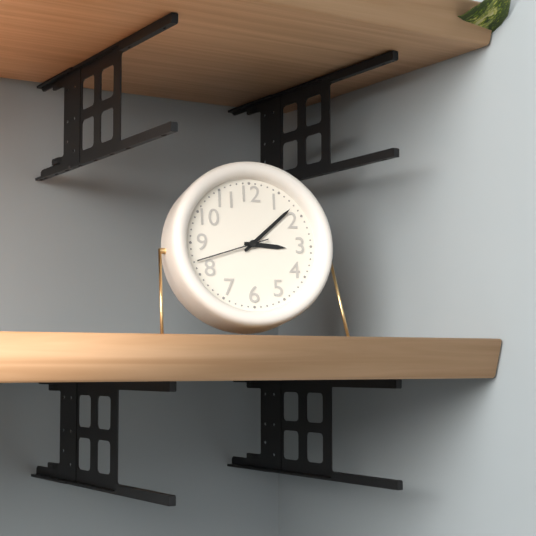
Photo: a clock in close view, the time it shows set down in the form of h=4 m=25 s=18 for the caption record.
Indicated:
h=3 m=8 s=42
